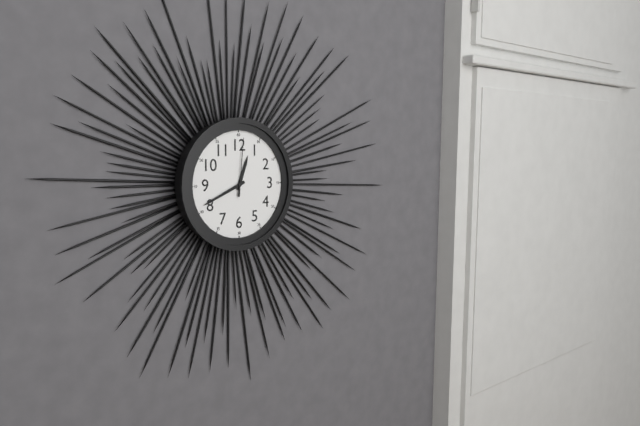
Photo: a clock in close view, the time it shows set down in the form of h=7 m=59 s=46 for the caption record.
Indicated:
h=12 m=41 s=1
